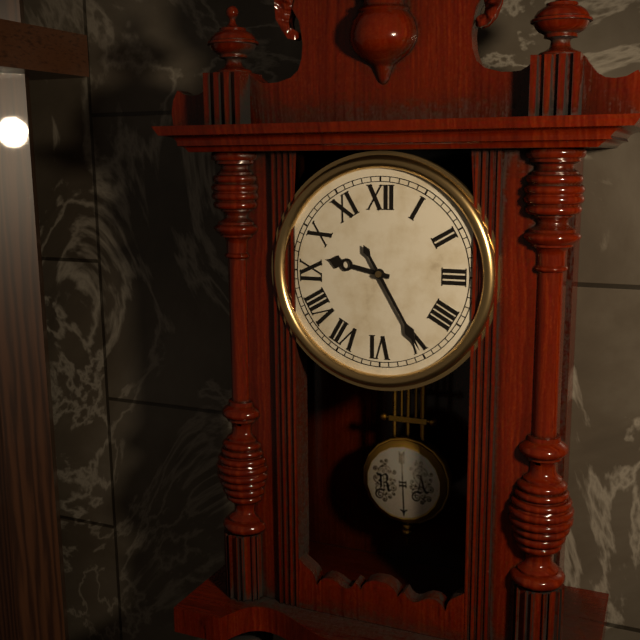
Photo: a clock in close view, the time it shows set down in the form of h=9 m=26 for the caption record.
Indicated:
h=9 m=25
